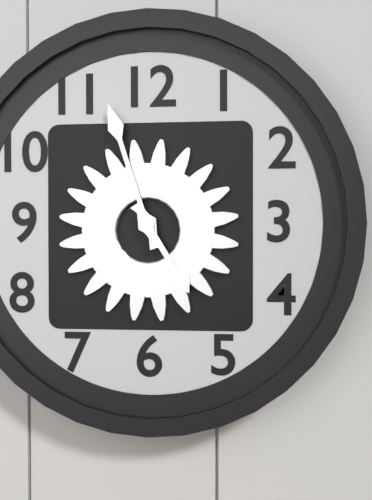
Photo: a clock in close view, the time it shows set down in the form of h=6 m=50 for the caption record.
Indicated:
h=4 m=57
